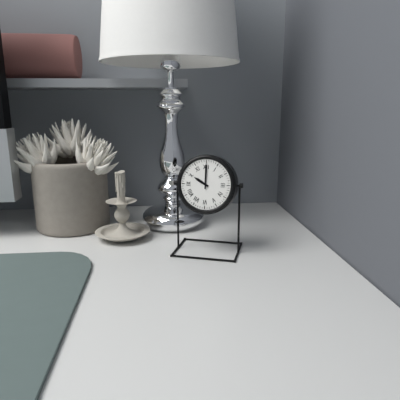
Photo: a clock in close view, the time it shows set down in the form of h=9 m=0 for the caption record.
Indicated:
h=10 m=0
